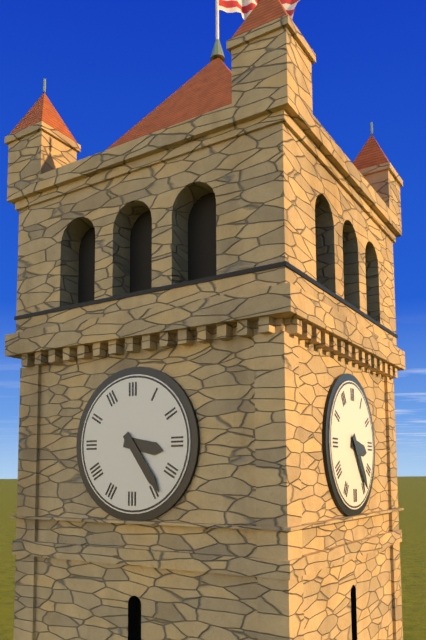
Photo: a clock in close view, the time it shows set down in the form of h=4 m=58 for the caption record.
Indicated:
h=3 m=24
